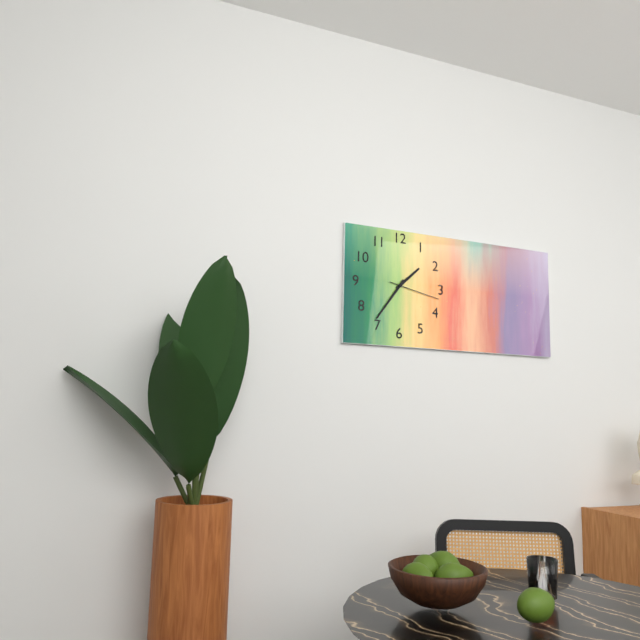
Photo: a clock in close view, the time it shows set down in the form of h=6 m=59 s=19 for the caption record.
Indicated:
h=1 m=36 s=17
